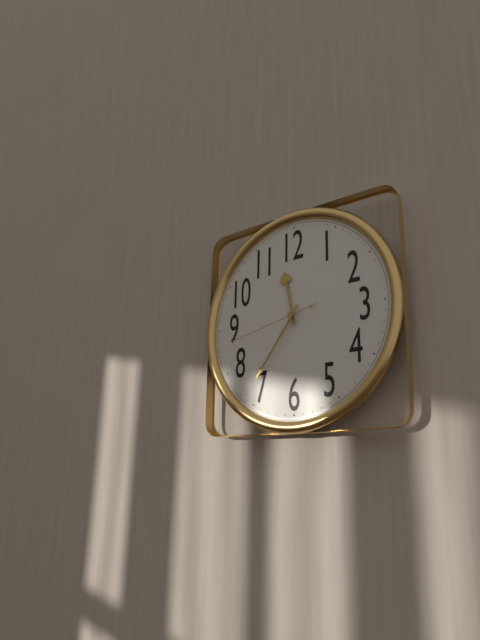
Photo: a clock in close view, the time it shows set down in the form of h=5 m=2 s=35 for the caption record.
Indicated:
h=11 m=36 s=43
